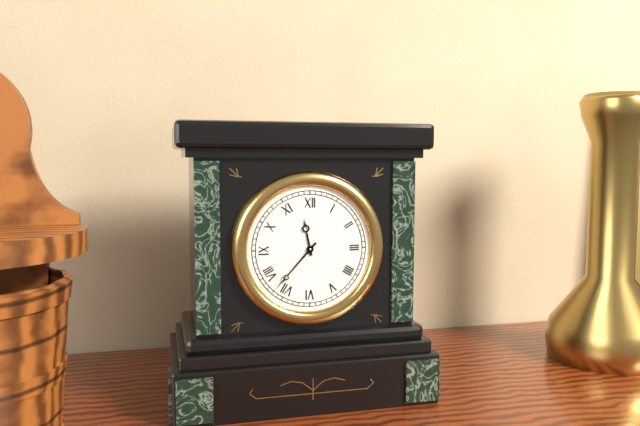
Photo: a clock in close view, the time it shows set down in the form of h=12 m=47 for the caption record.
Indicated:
h=11 m=37
